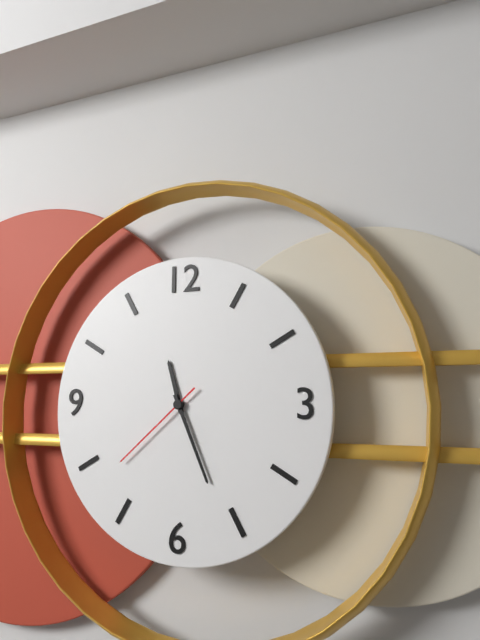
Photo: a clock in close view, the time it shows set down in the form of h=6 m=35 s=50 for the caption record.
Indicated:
h=11 m=26 s=38
